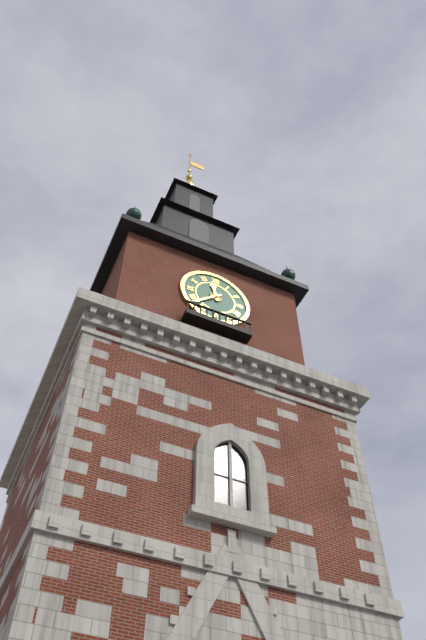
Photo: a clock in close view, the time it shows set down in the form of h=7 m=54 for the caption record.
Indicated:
h=11 m=38
